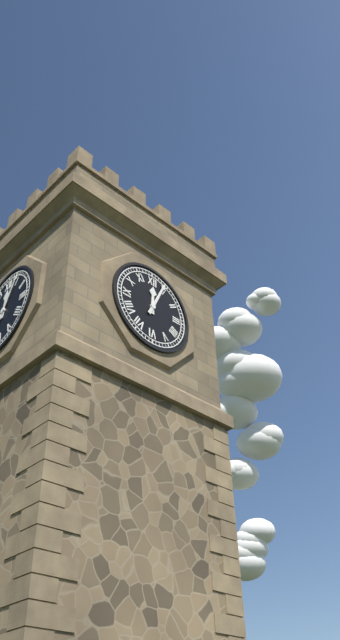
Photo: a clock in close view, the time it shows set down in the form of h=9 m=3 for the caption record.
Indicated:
h=12 m=4
